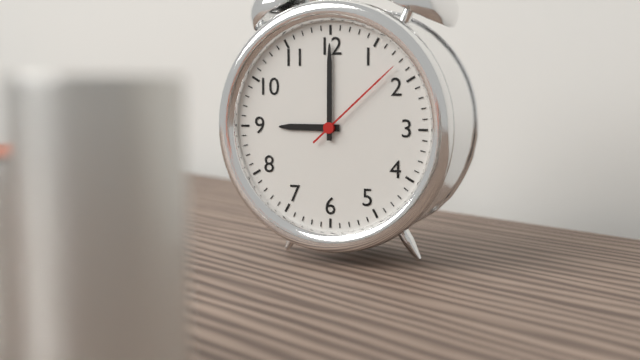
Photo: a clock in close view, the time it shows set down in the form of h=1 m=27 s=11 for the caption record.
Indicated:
h=9 m=0 s=8
